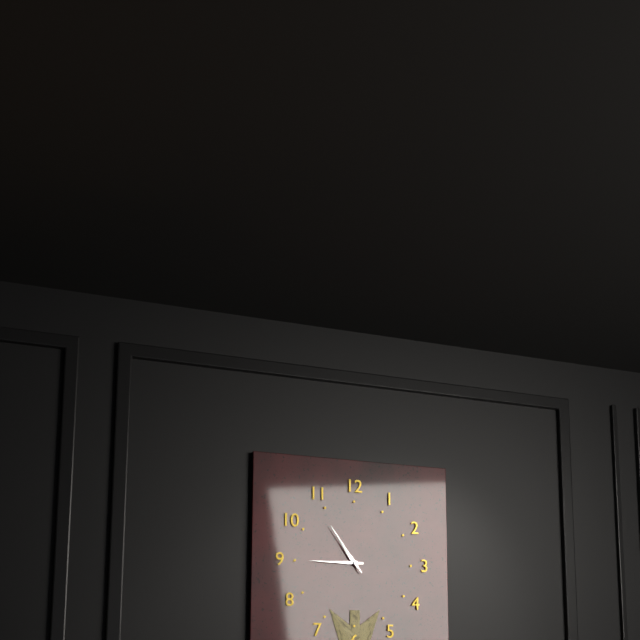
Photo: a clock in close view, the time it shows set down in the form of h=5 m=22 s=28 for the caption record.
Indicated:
h=10 m=45 s=54
